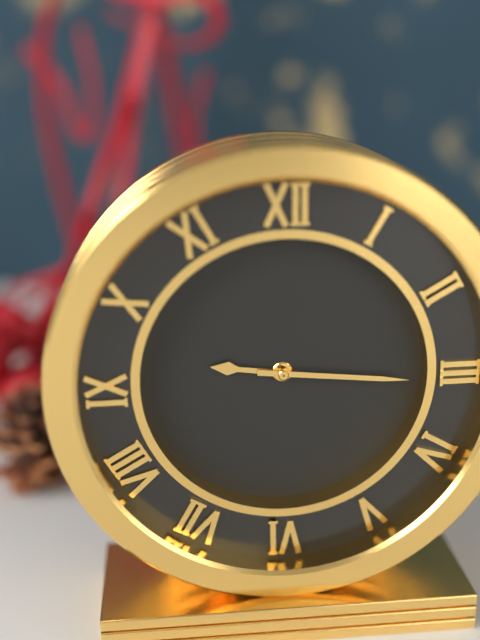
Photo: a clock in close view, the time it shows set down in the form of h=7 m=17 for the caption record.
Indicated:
h=9 m=16
